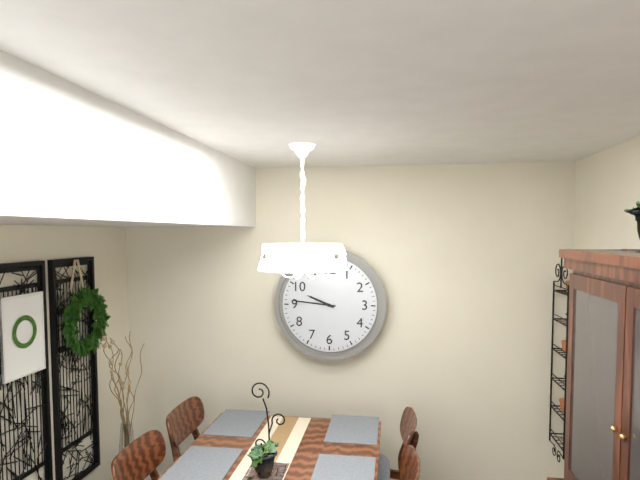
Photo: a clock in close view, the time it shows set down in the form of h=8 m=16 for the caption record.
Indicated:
h=9 m=46
